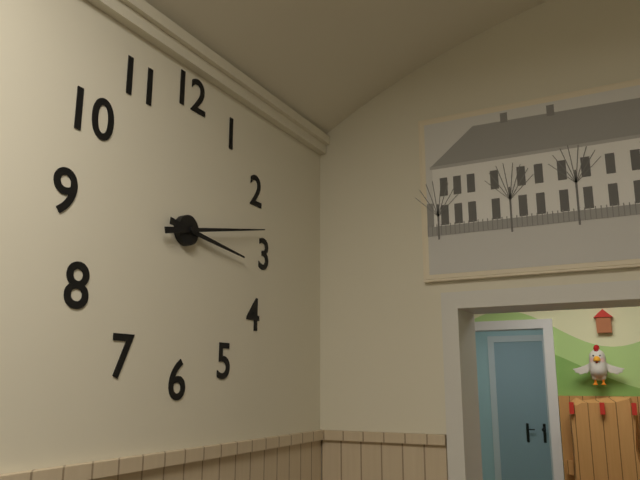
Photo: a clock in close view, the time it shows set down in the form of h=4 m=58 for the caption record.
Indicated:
h=3 m=13
